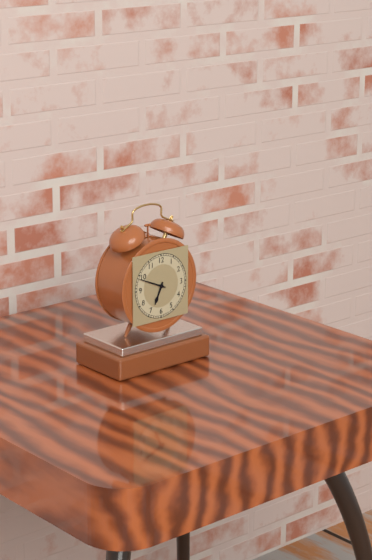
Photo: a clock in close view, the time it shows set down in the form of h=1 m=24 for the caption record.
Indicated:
h=6 m=49
